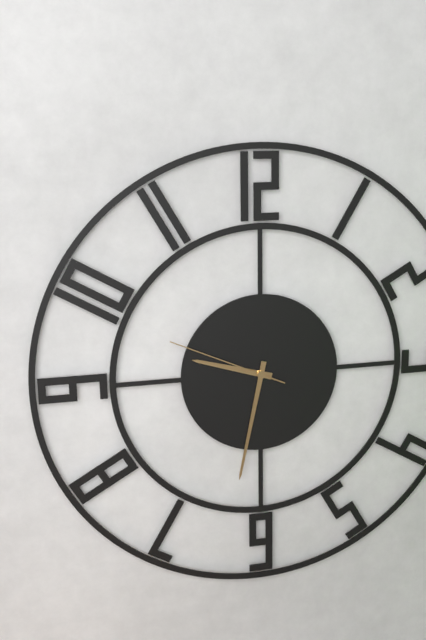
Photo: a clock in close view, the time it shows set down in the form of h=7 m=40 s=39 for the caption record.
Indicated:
h=9 m=32 s=49
